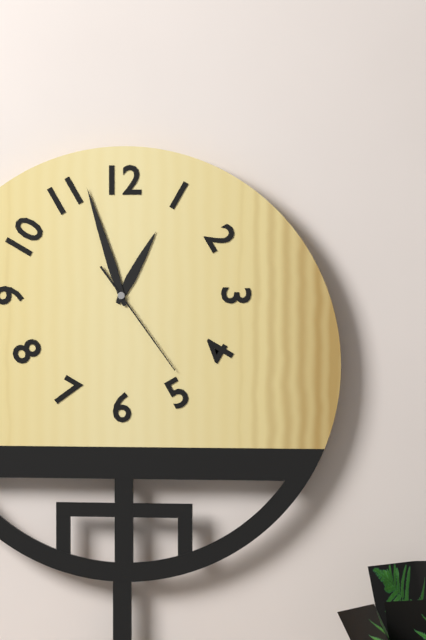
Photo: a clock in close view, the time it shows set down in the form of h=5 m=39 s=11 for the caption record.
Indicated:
h=12 m=57 s=24
